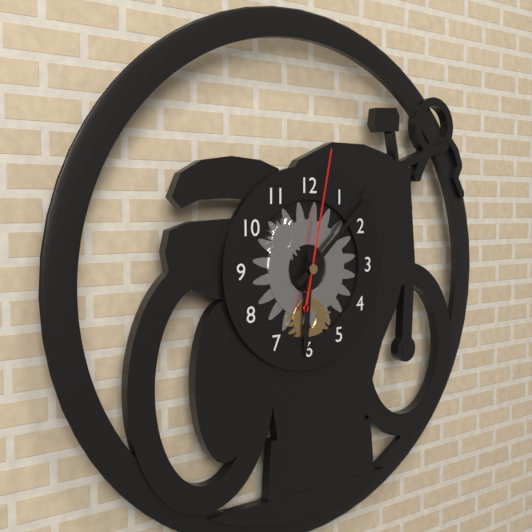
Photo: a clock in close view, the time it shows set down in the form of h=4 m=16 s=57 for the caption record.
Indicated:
h=6 m=8 s=2
